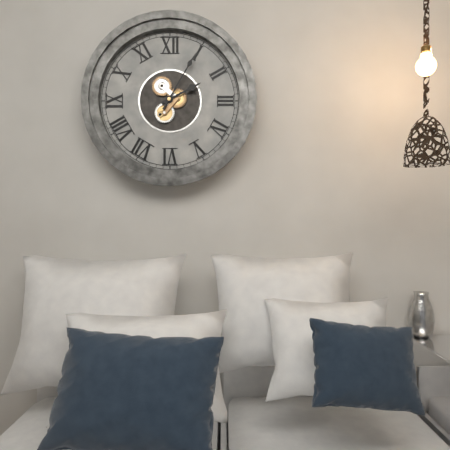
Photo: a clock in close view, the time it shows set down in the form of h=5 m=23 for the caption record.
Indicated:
h=2 m=5
